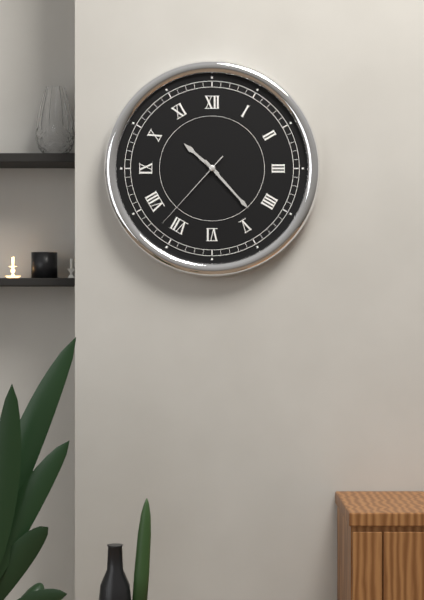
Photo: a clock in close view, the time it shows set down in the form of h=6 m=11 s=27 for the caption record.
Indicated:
h=10 m=23 s=37
